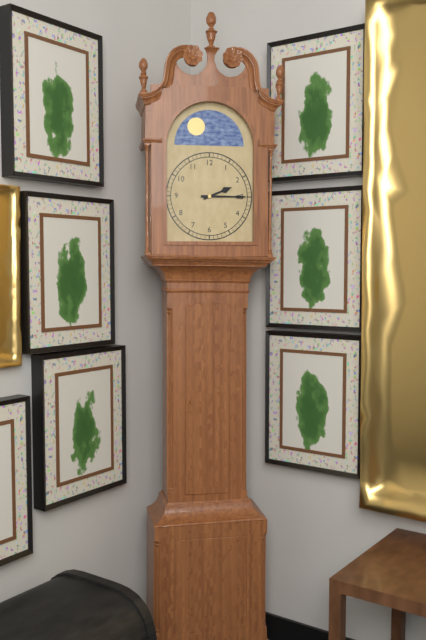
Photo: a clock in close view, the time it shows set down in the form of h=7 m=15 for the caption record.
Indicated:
h=2 m=15
